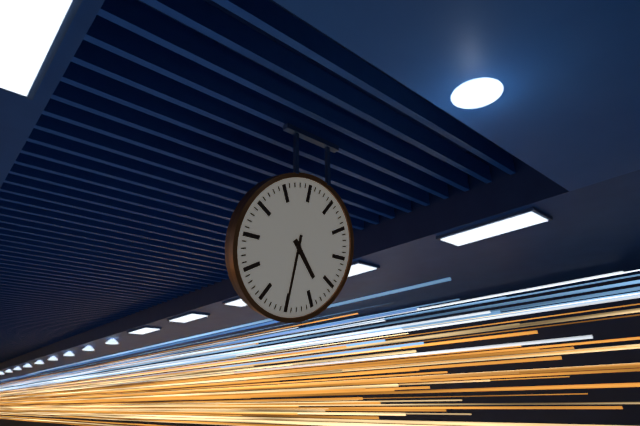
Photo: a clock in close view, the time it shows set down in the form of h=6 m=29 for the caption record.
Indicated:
h=4 m=30
